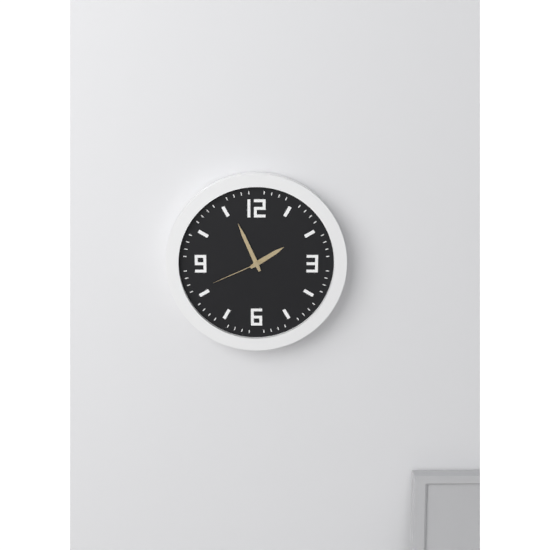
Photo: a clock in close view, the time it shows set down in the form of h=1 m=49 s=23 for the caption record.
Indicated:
h=1 m=56 s=41
